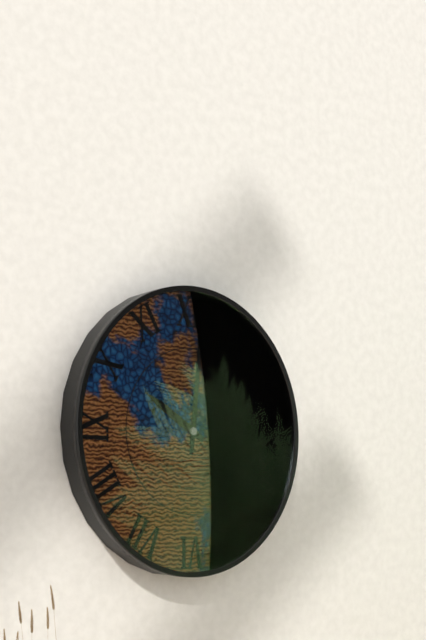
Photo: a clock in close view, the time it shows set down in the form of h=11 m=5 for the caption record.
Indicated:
h=10 m=1
